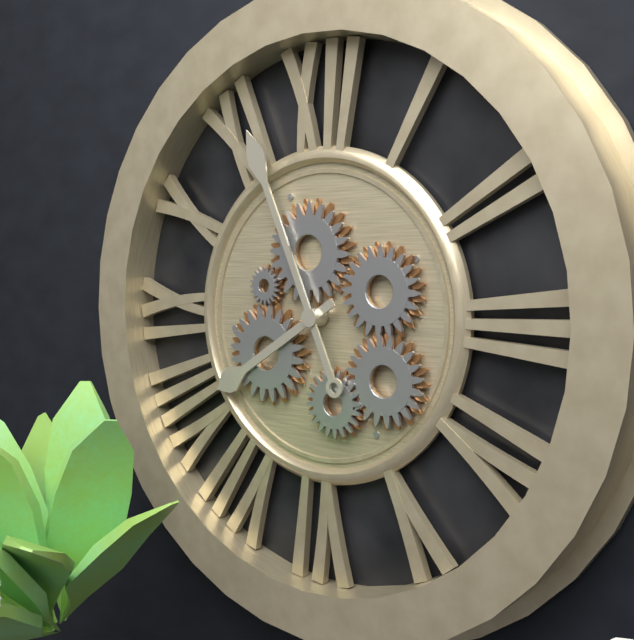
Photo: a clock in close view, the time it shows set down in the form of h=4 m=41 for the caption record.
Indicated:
h=7 m=56
